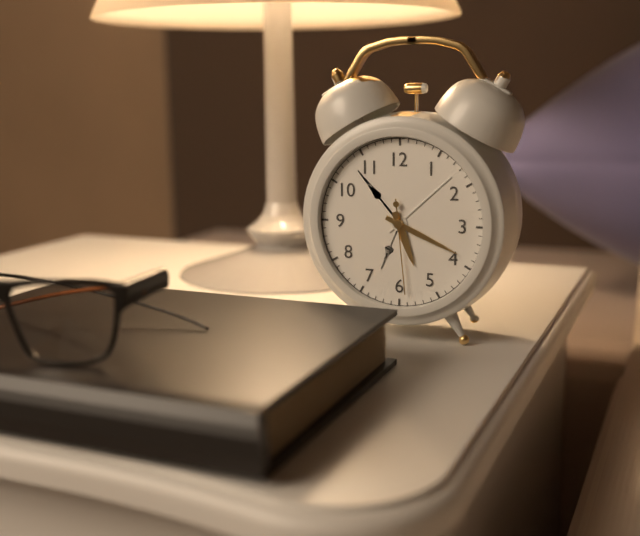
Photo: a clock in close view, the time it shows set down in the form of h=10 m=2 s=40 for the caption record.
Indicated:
h=5 m=19 s=29
